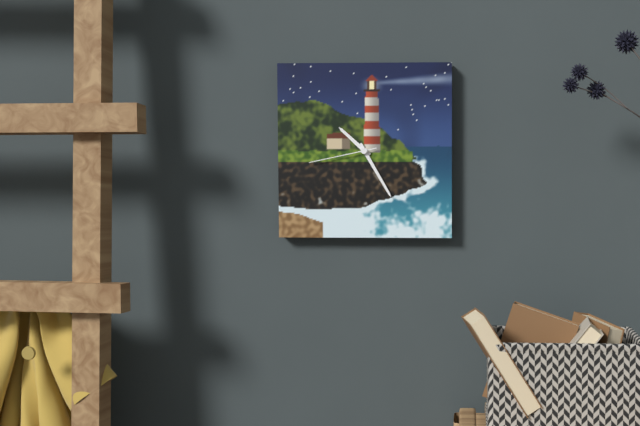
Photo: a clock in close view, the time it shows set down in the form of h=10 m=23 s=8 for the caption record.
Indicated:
h=10 m=25 s=43
